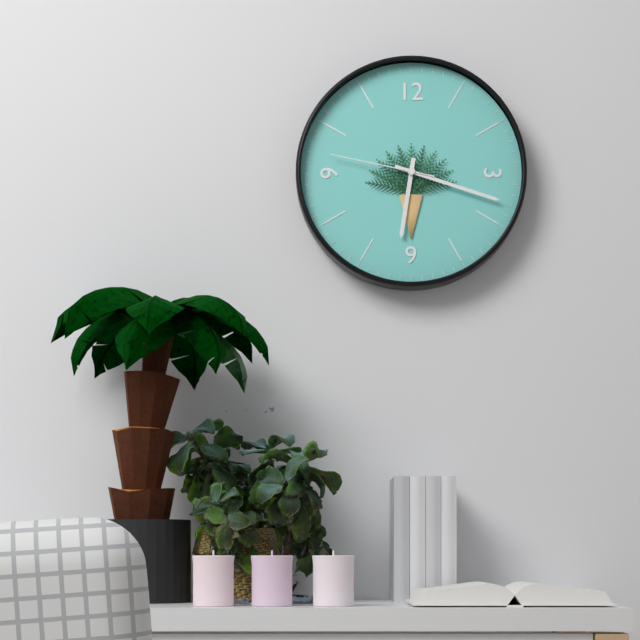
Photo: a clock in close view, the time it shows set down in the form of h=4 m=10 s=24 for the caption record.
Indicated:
h=6 m=18 s=47
